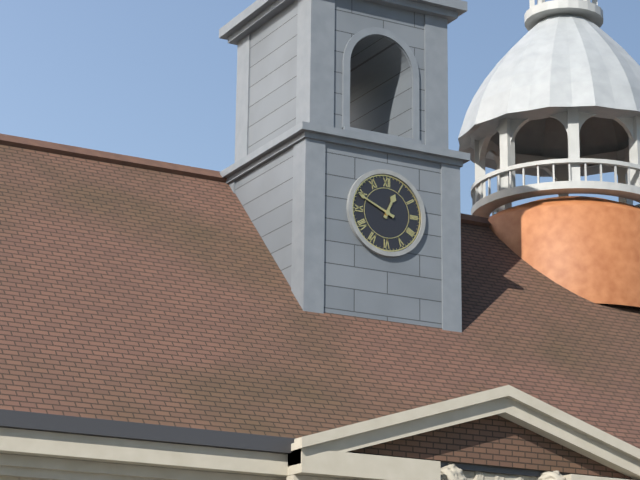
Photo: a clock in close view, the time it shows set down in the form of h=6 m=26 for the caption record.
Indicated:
h=12 m=49
